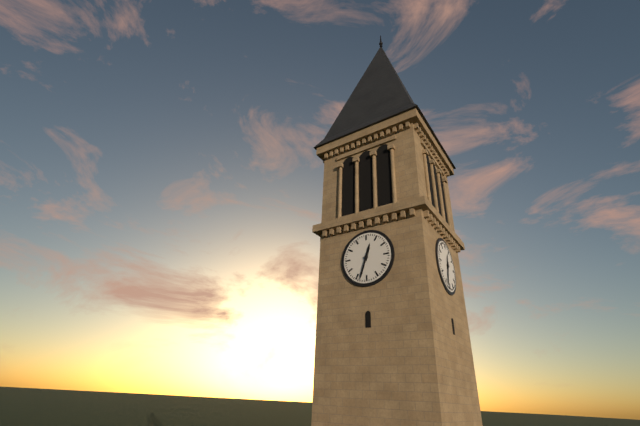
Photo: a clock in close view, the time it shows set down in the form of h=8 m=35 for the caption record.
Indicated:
h=12 m=33
